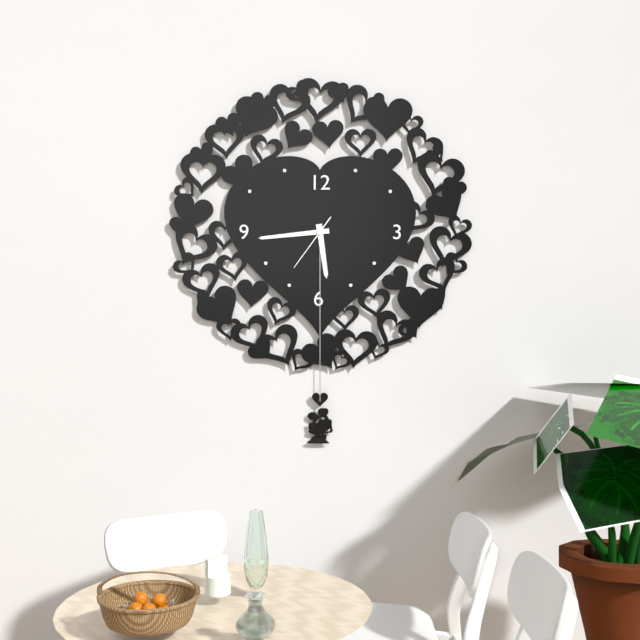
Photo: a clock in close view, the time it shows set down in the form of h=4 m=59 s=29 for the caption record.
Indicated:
h=5 m=44 s=36
